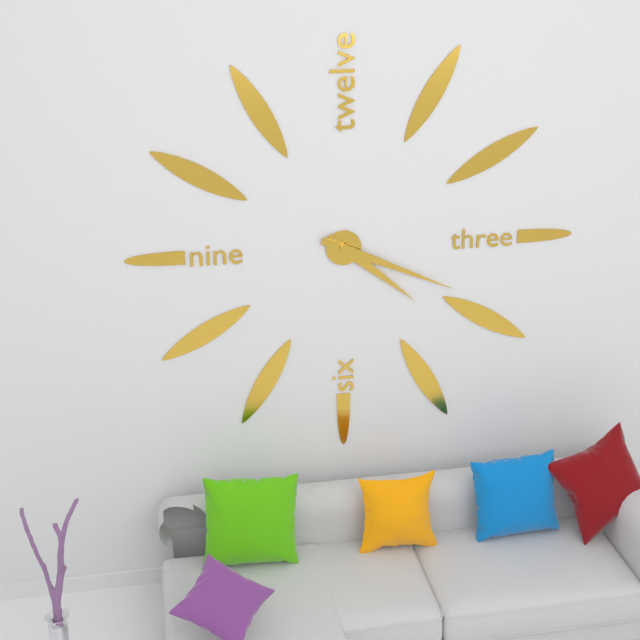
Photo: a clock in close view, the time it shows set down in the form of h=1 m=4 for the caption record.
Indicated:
h=4 m=19
